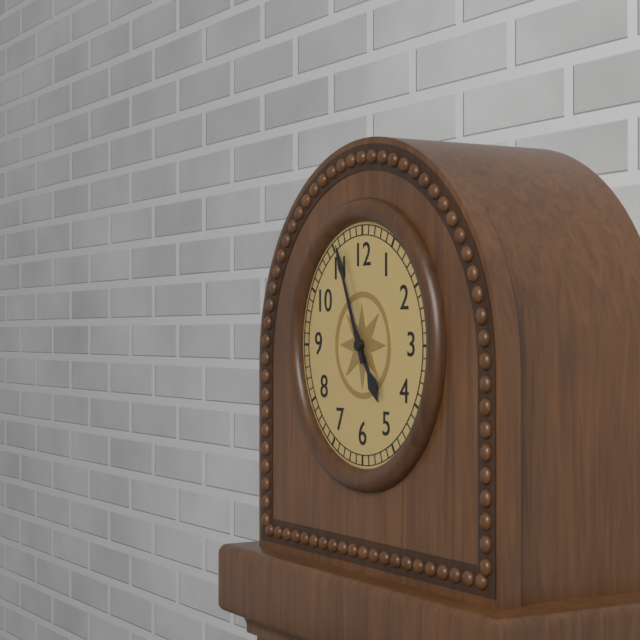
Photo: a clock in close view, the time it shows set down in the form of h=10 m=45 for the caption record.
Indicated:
h=4 m=56
